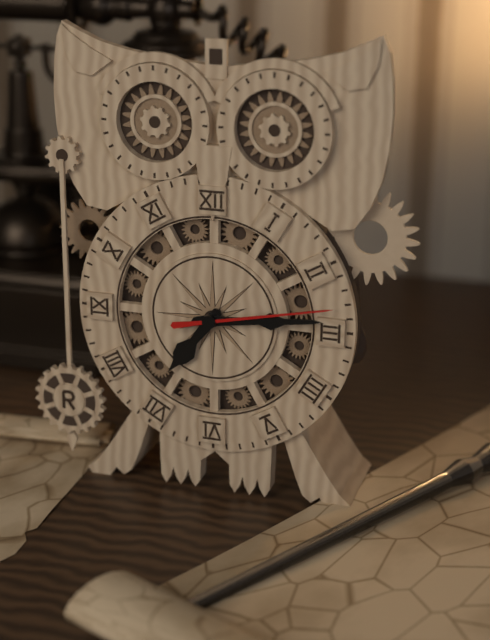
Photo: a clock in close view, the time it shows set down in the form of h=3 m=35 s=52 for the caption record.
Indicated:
h=7 m=14 s=13
